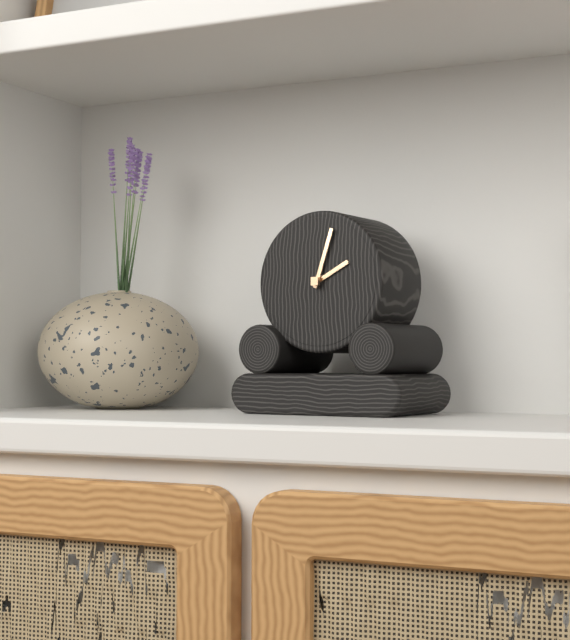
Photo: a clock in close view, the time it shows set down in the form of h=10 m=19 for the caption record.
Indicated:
h=2 m=3
